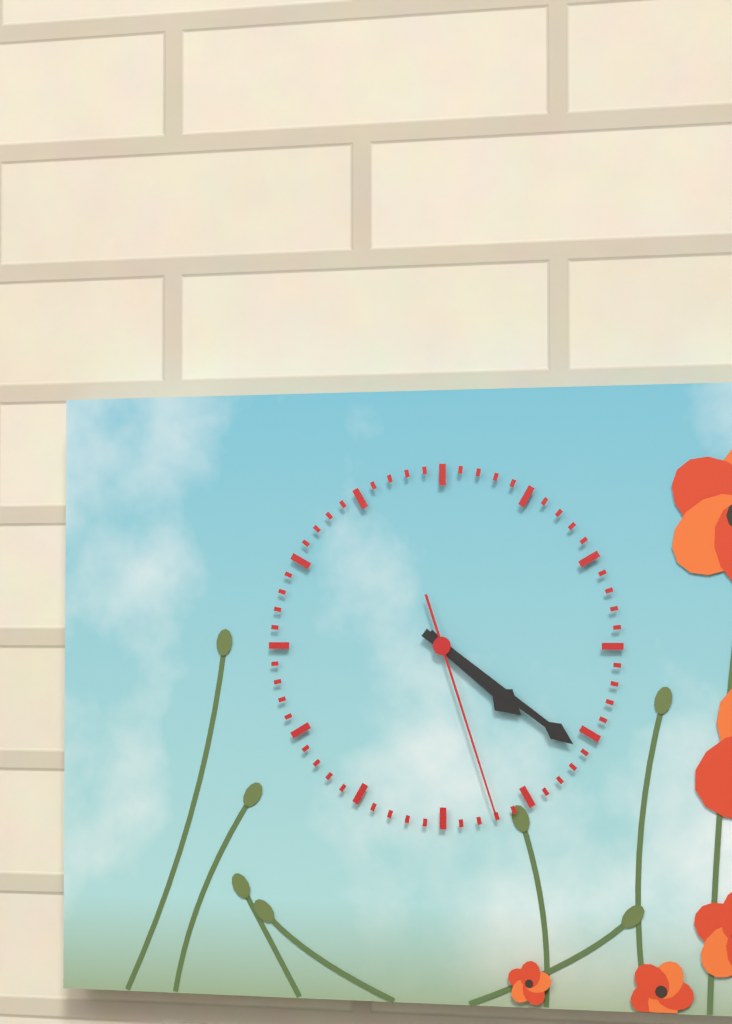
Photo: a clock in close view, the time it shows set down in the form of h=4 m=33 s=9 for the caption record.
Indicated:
h=4 m=21 s=27
